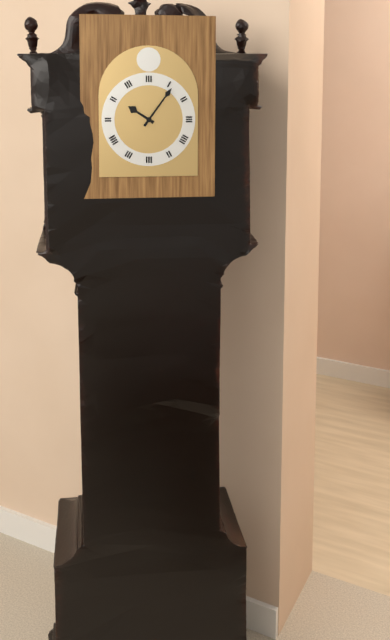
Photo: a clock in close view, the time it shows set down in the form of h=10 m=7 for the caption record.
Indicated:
h=10 m=6
